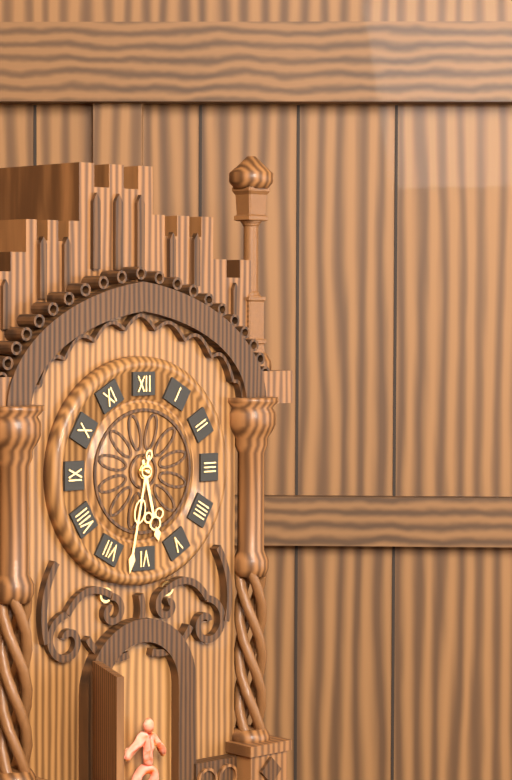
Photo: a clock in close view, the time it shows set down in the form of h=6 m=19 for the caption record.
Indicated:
h=5 m=32
